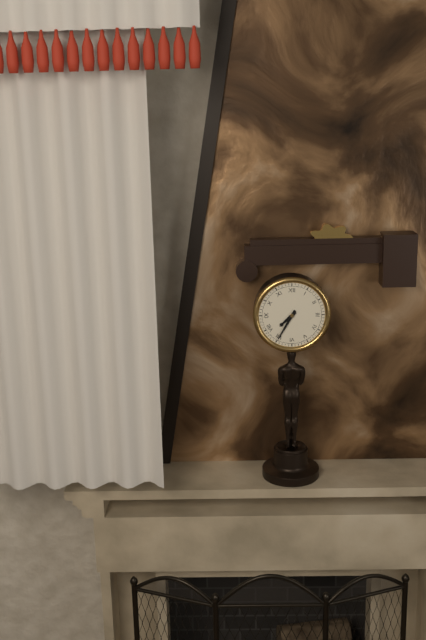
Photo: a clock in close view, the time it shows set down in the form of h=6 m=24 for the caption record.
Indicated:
h=7 m=35
